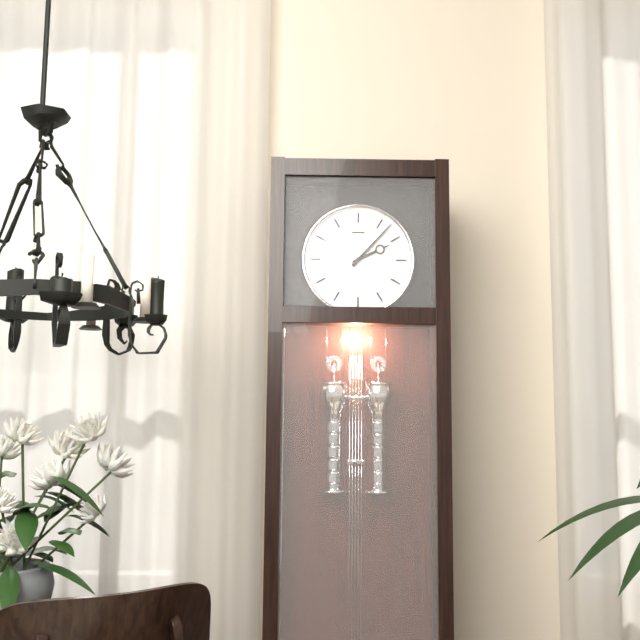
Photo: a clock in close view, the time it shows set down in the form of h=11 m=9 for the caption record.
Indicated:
h=2 m=7
